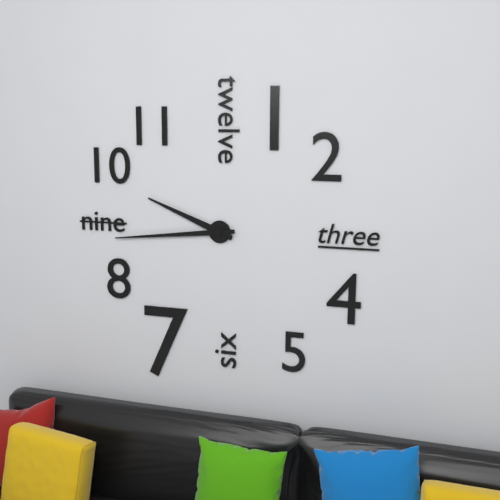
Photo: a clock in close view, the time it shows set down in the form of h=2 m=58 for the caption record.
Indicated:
h=9 m=44
